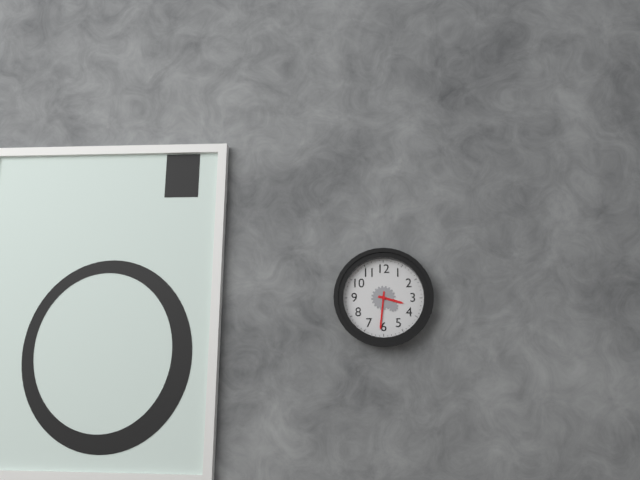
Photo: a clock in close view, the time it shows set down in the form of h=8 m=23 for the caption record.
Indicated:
h=3 m=31
